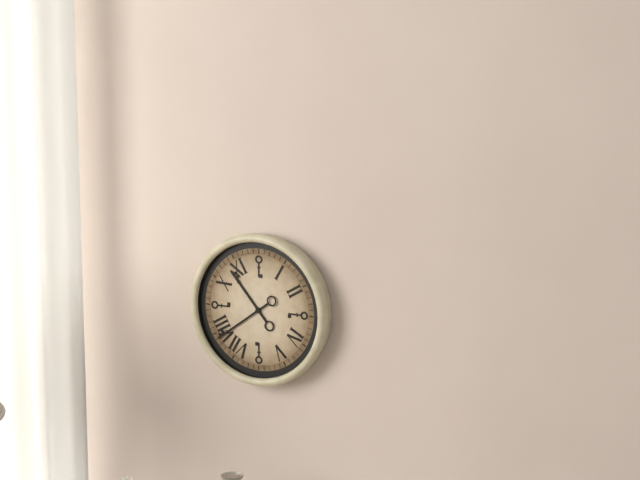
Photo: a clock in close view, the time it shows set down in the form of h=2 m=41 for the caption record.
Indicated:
h=10 m=39
